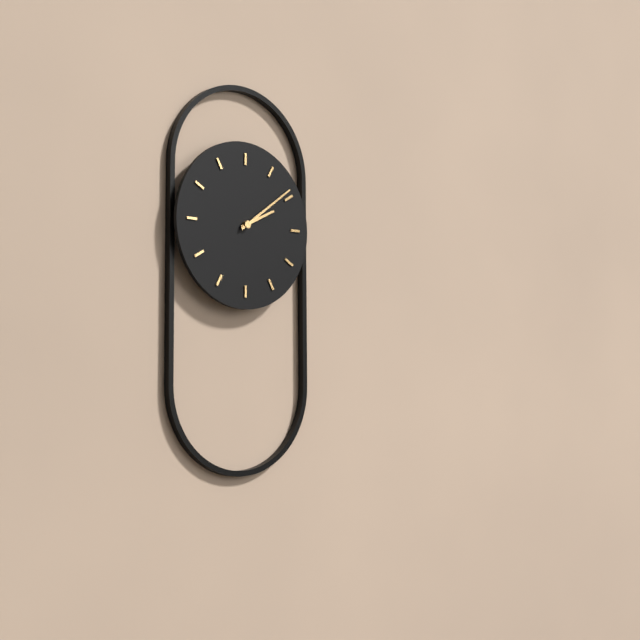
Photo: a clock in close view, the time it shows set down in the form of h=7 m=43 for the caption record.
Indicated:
h=2 m=9
